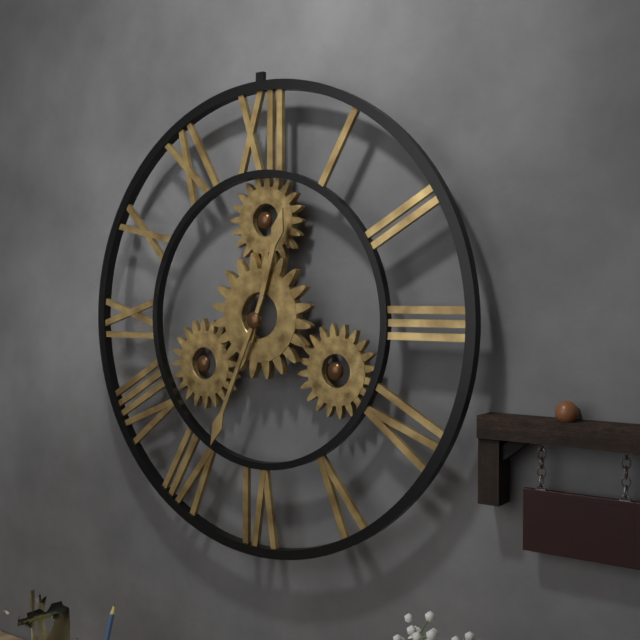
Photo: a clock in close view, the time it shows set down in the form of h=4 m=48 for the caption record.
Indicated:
h=12 m=34
